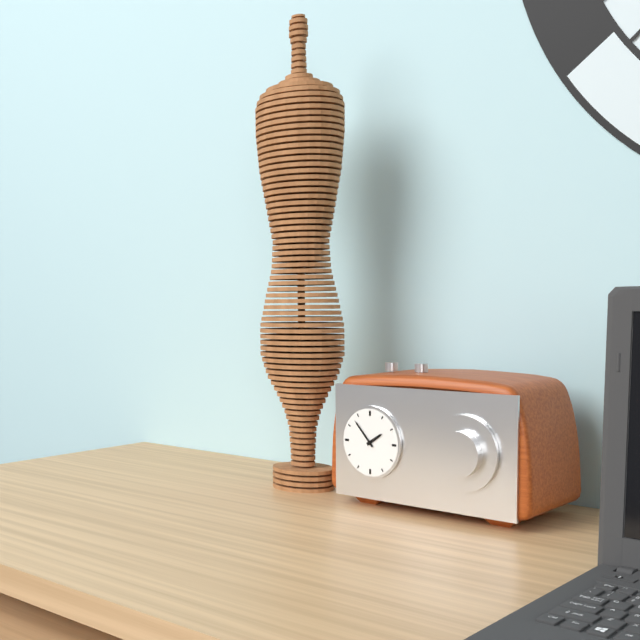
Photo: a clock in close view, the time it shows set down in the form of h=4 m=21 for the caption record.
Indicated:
h=1 m=53
